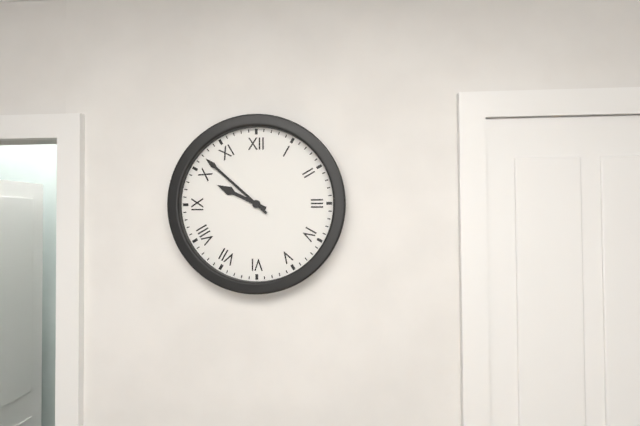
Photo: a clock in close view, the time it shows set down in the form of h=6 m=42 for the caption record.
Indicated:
h=9 m=52
